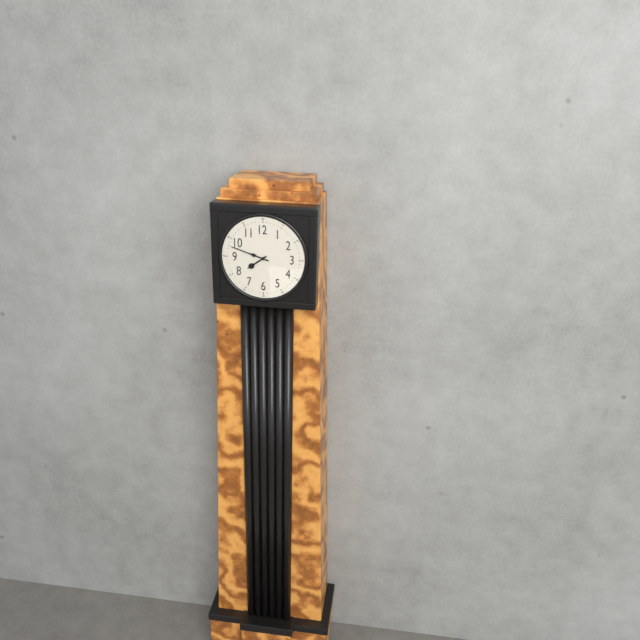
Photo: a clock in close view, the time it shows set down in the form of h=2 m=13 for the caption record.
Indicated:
h=7 m=48
